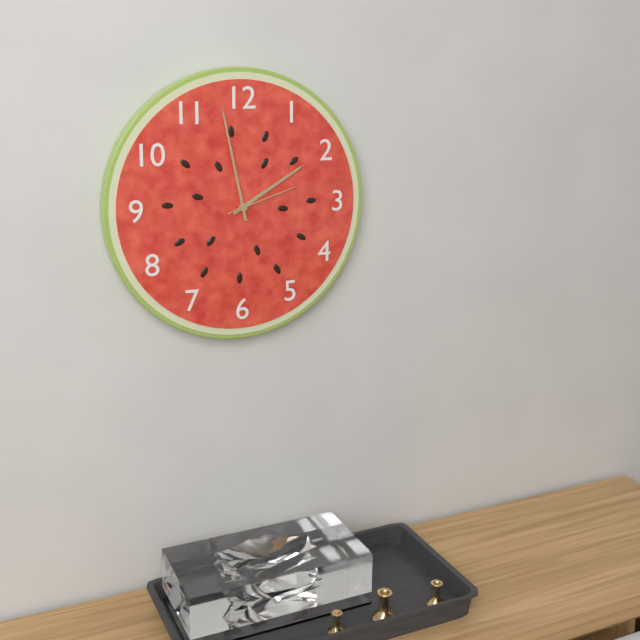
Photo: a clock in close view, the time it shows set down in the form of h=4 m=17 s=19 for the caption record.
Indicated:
h=1 m=58 s=12
